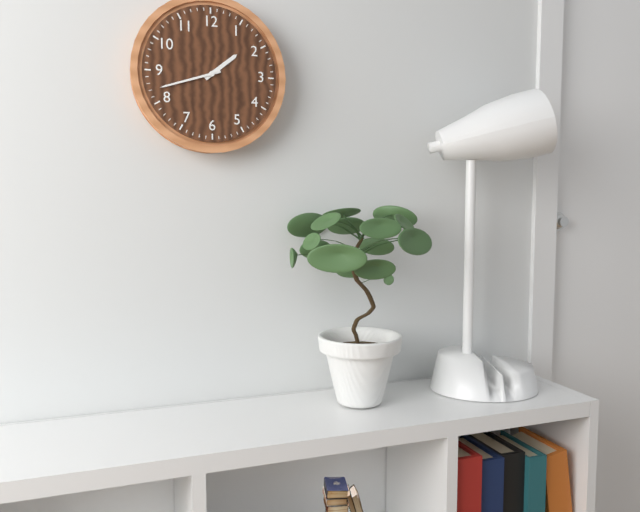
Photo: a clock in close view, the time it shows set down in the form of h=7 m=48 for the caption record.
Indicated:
h=1 m=42
